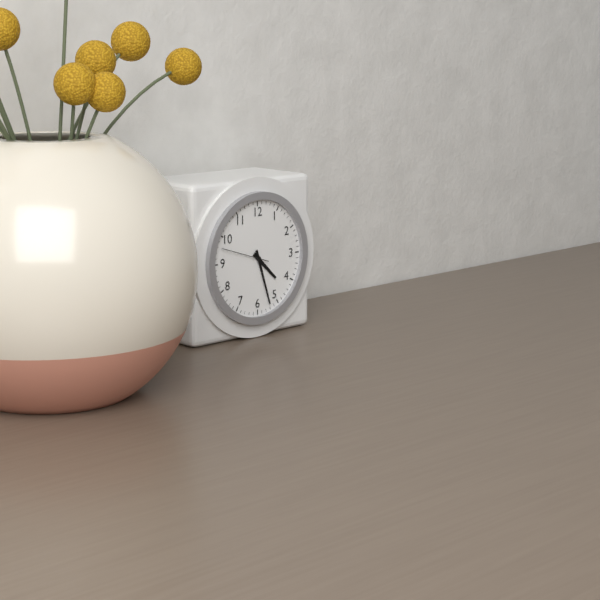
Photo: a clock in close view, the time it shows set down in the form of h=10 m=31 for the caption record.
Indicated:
h=4 m=27
